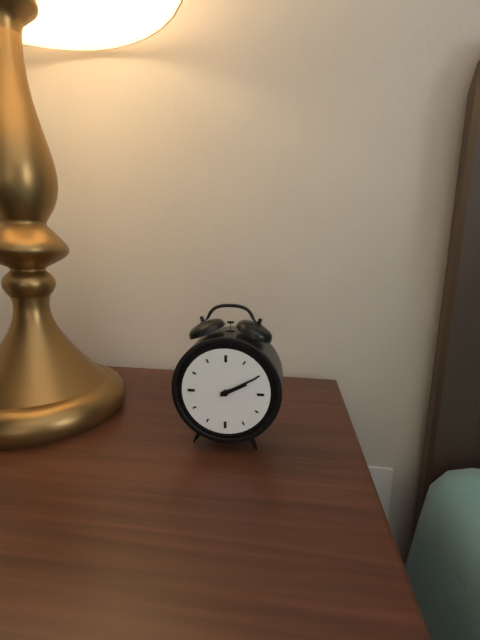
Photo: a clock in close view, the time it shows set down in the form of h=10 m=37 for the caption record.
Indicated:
h=2 m=10
